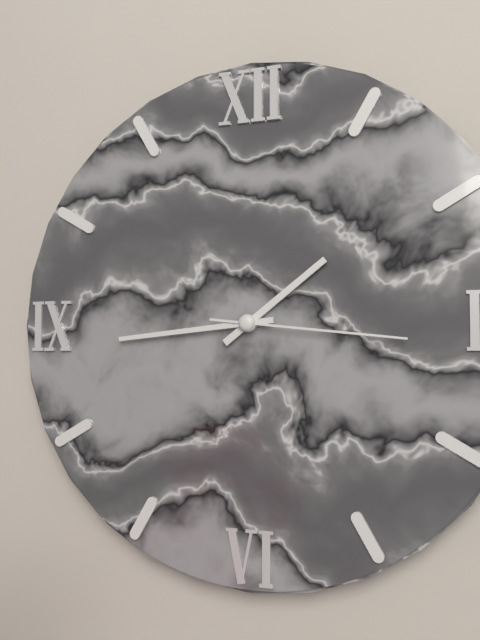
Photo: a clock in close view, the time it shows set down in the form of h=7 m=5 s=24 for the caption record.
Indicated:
h=1 m=44 s=16
